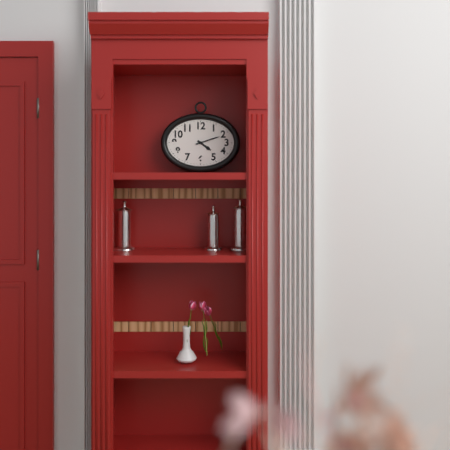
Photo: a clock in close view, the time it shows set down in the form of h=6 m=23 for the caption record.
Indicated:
h=4 m=12
